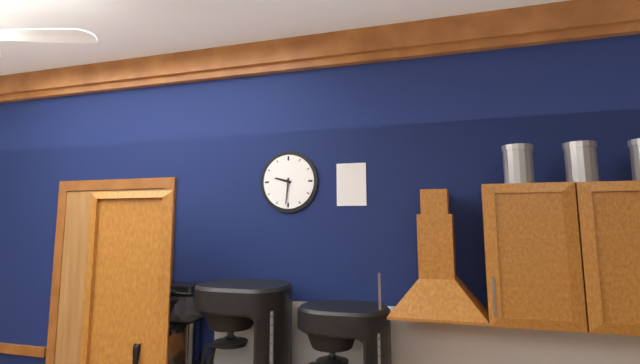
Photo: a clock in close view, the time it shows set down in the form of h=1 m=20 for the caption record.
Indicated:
h=9 m=31
